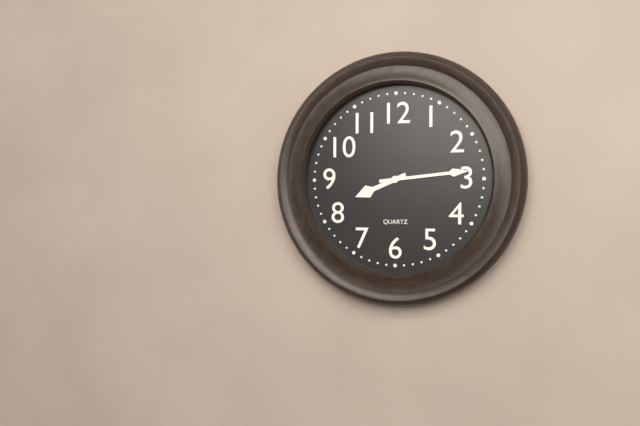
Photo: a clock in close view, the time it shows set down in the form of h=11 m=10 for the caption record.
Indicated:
h=8 m=14
